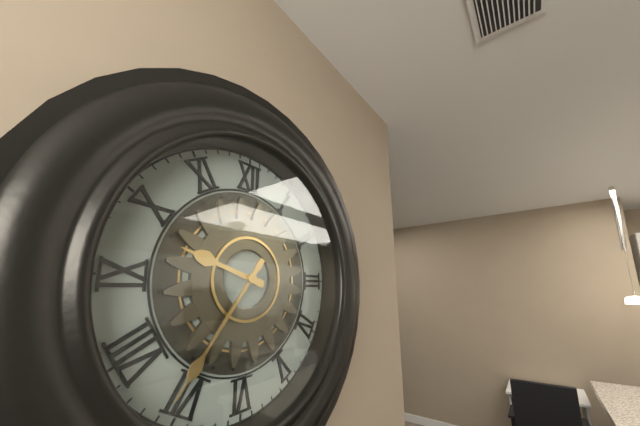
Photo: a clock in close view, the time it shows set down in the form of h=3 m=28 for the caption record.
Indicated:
h=9 m=36
